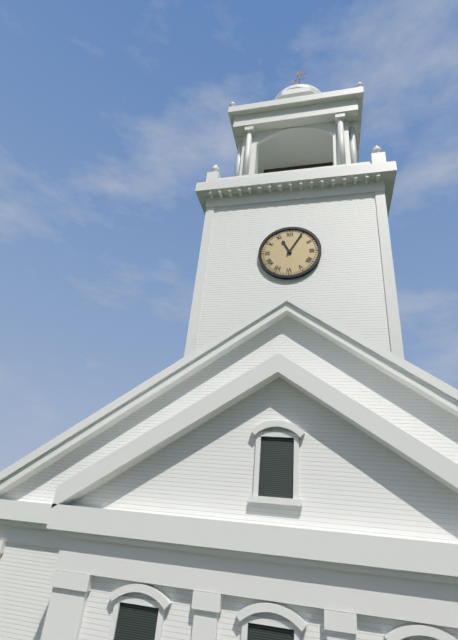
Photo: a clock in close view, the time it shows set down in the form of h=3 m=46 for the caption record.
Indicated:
h=11 m=5
